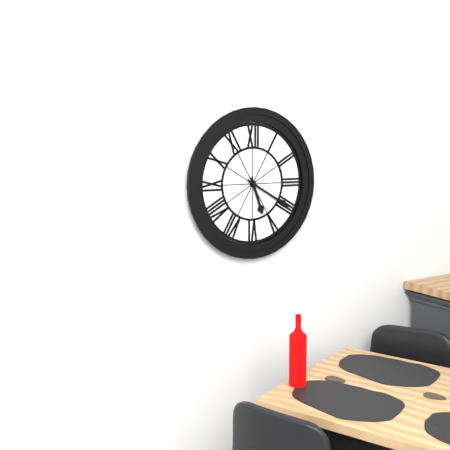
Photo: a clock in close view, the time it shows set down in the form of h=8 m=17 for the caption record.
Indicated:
h=5 m=20
